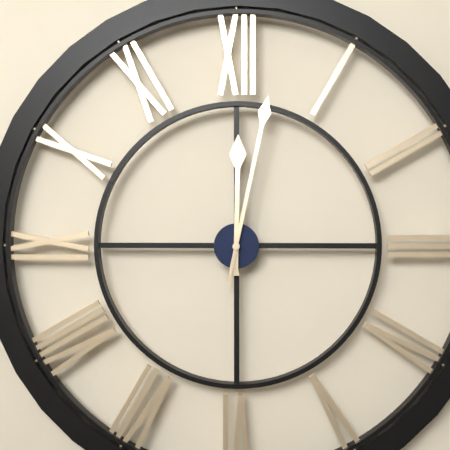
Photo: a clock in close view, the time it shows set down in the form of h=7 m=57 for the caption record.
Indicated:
h=12 m=2
